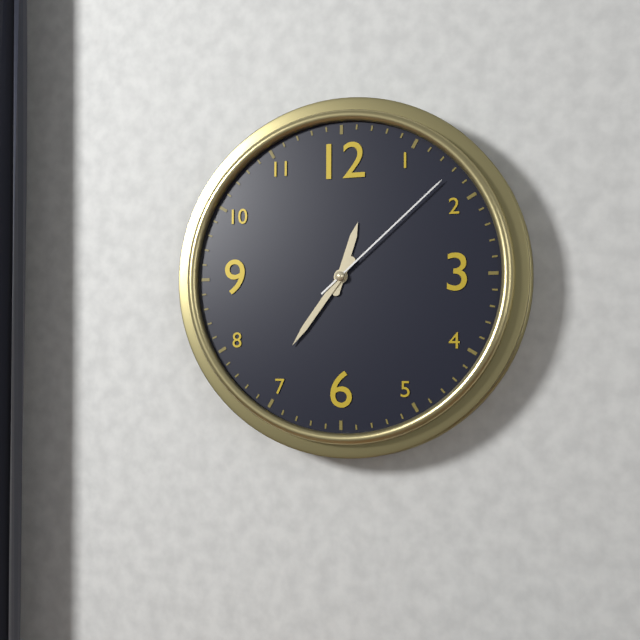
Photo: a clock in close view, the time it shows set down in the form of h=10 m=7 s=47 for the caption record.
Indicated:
h=12 m=36 s=8
